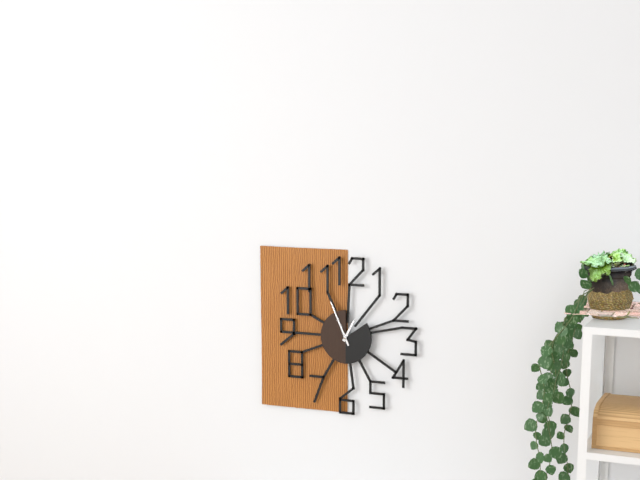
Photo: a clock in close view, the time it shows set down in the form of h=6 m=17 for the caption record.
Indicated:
h=12 m=56
